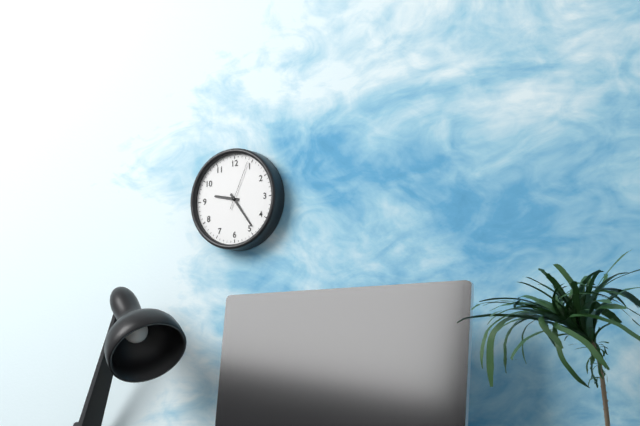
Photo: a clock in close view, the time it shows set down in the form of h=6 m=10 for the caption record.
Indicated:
h=9 m=24
